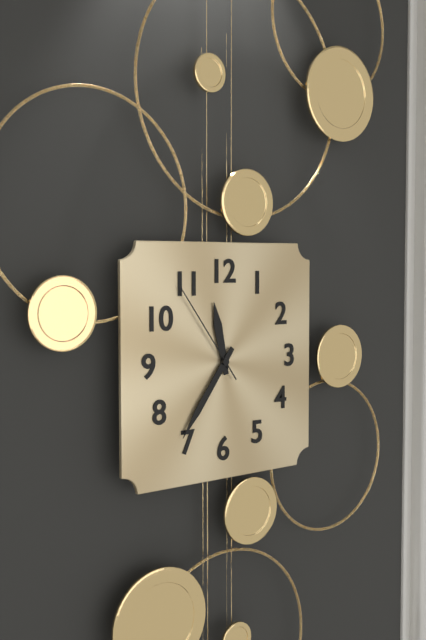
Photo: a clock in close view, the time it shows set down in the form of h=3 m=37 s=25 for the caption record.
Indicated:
h=11 m=36 s=54
